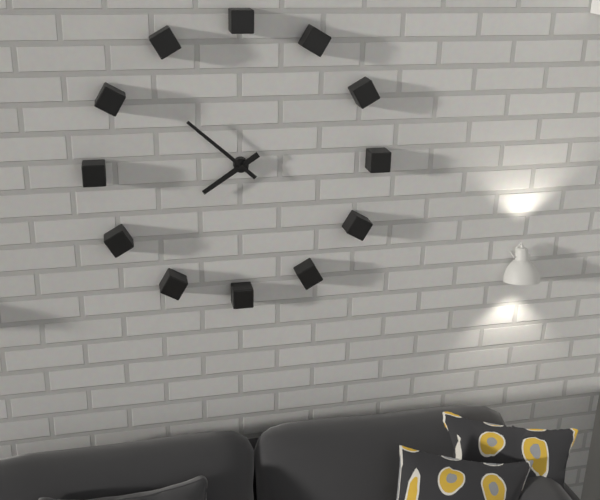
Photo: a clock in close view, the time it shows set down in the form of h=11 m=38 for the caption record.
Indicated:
h=7 m=52
